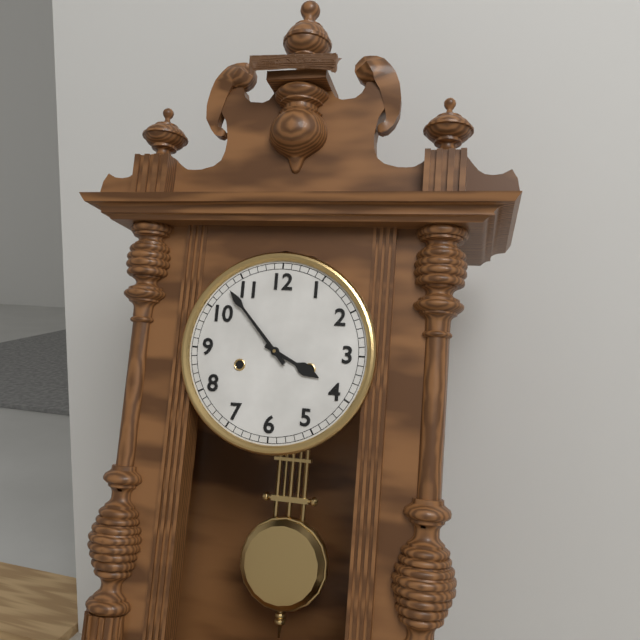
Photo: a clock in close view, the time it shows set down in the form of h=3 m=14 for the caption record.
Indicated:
h=3 m=53
